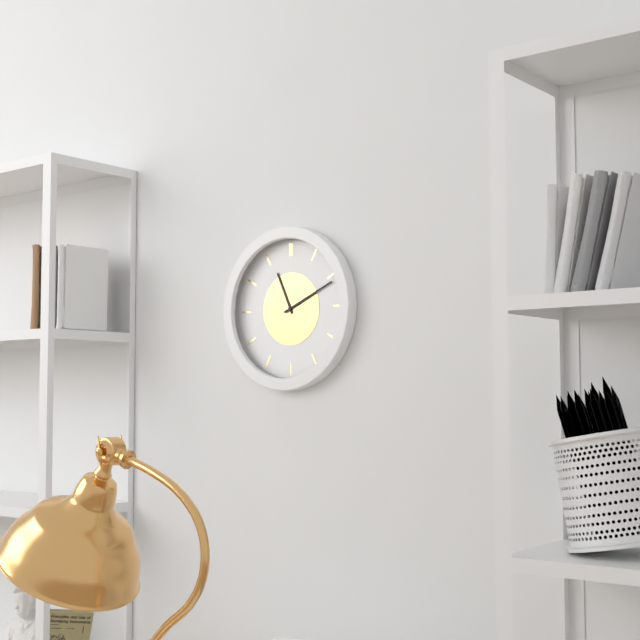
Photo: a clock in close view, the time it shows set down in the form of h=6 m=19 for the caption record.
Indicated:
h=11 m=11
